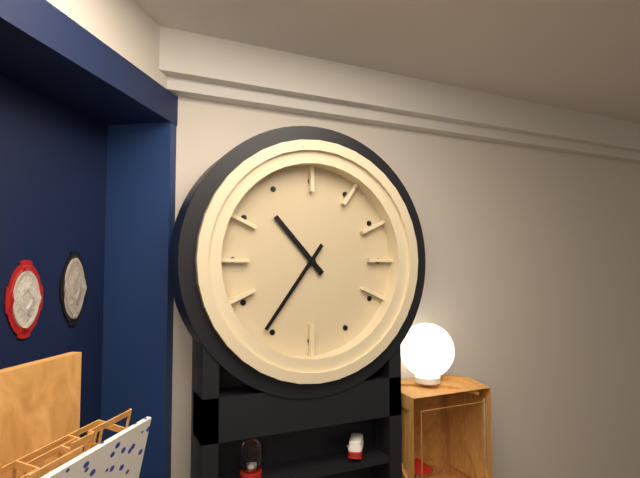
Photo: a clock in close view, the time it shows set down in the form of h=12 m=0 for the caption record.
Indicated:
h=10 m=36
